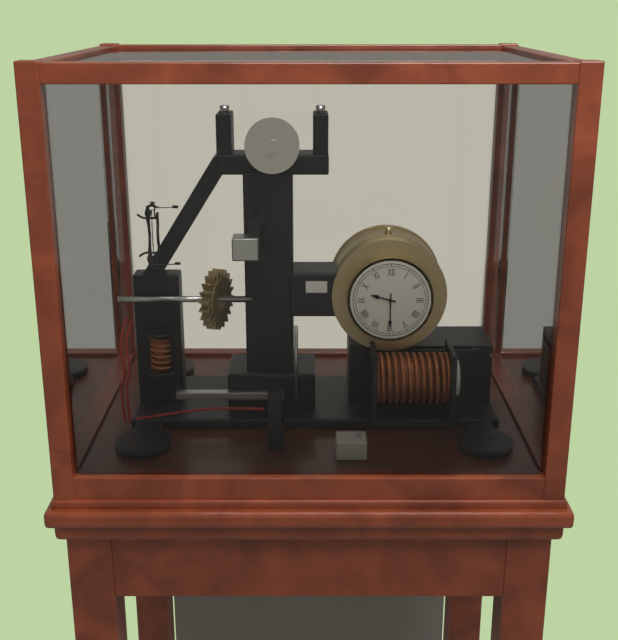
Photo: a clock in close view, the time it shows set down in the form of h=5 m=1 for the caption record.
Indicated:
h=9 m=30
